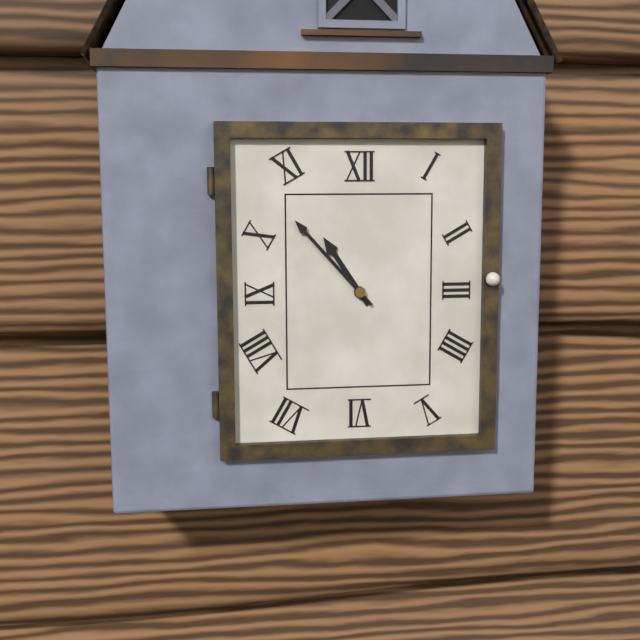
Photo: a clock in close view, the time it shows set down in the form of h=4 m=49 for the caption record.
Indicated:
h=10 m=53
